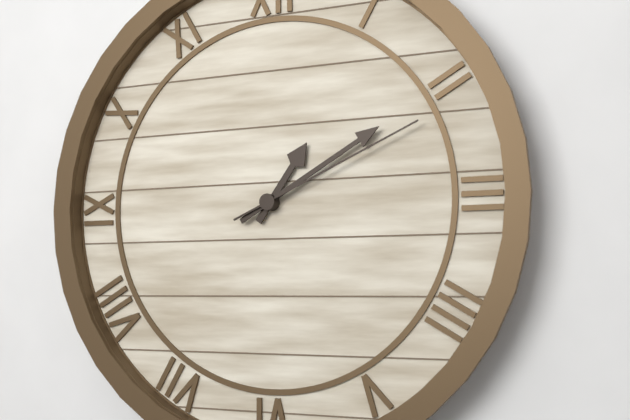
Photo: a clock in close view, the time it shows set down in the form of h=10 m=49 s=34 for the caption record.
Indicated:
h=1 m=10 s=11
